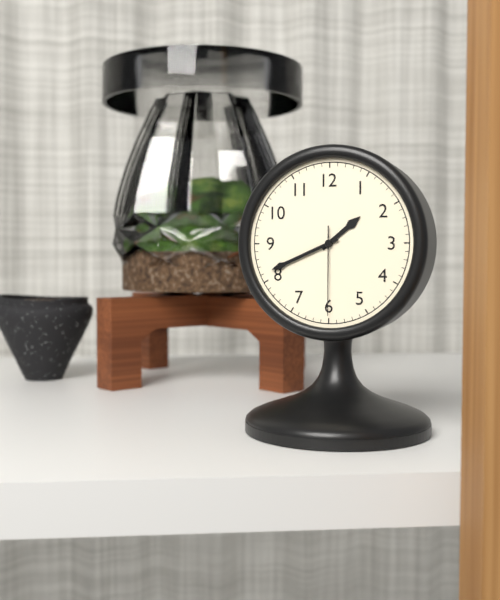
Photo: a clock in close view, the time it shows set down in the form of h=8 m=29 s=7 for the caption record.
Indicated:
h=1 m=41 s=30
